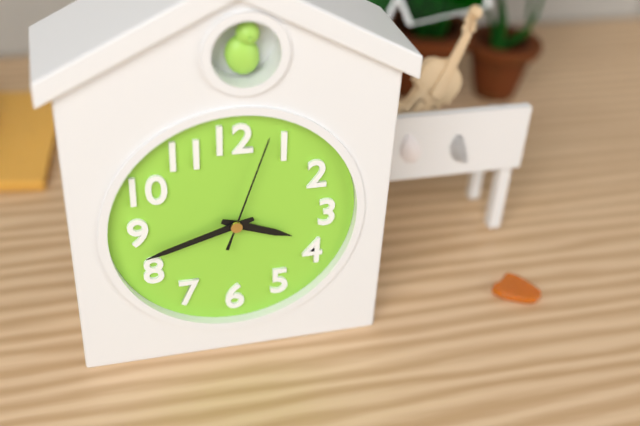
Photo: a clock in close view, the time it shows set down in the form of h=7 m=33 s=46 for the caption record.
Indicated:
h=3 m=42 s=3
